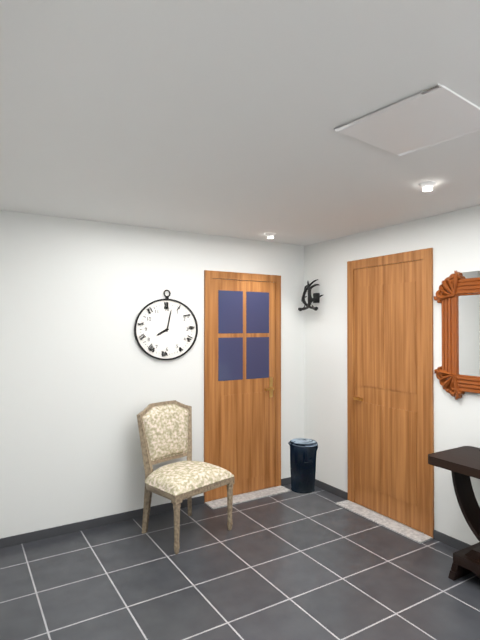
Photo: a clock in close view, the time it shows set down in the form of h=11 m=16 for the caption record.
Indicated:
h=8 m=2
